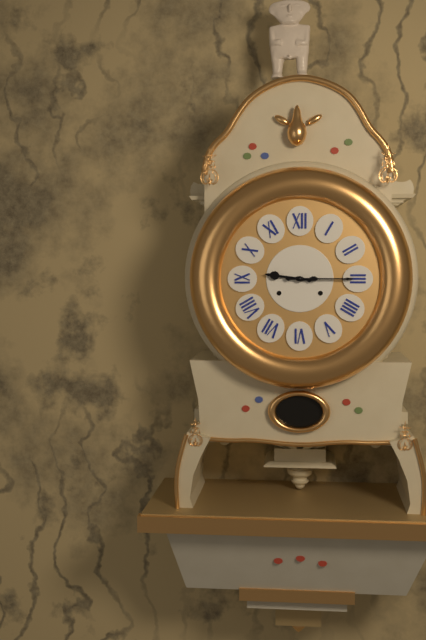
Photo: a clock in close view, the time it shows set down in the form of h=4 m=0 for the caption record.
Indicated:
h=9 m=15
